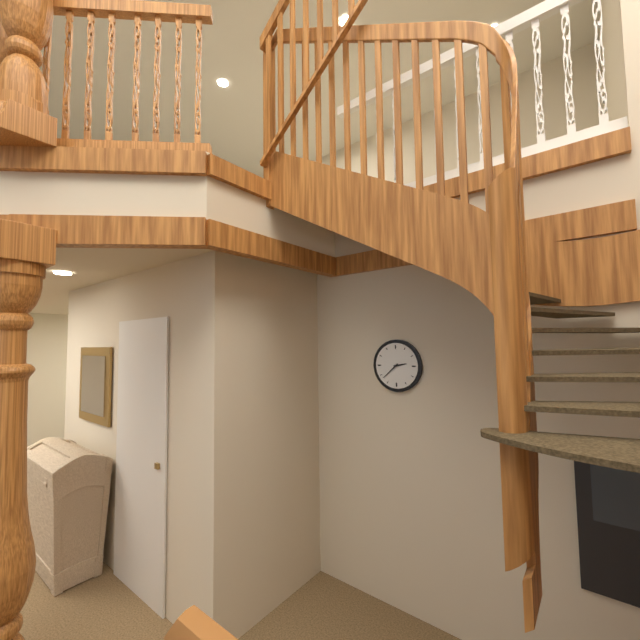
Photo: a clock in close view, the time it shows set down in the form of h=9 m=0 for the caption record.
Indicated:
h=2 m=38
